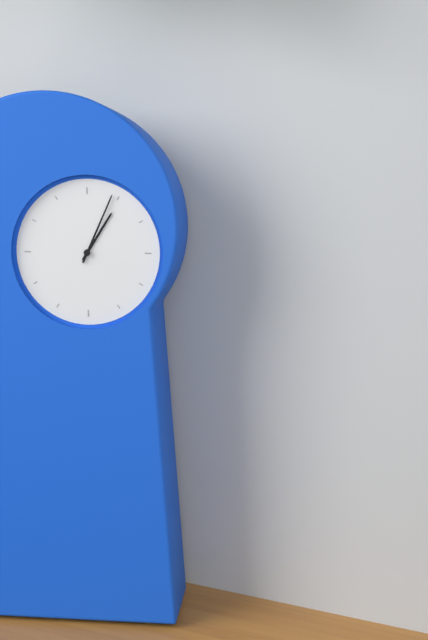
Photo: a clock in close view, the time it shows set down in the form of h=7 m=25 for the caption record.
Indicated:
h=1 m=4
